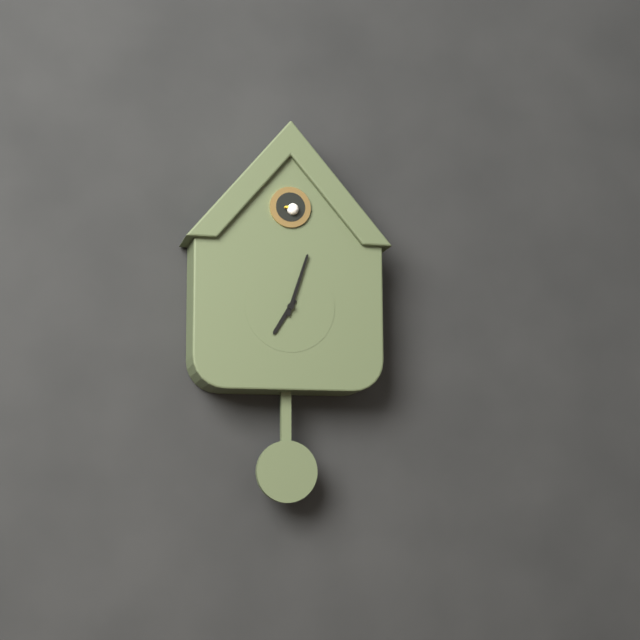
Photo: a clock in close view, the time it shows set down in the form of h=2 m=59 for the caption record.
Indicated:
h=7 m=3
